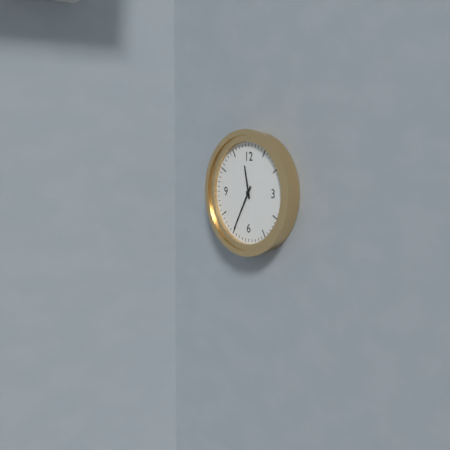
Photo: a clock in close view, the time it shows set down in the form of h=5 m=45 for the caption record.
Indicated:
h=11 m=35
